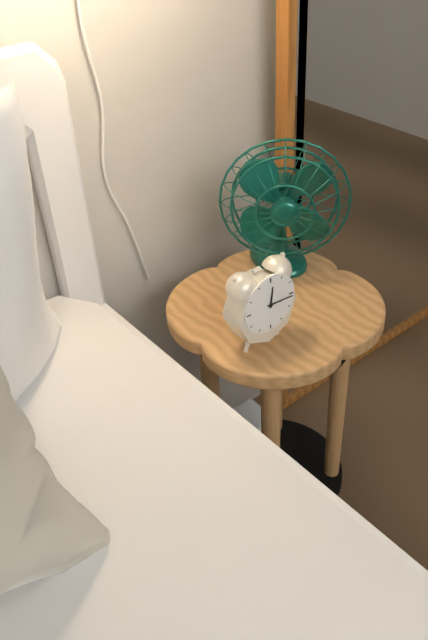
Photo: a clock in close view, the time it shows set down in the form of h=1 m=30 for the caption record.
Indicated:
h=12 m=16
